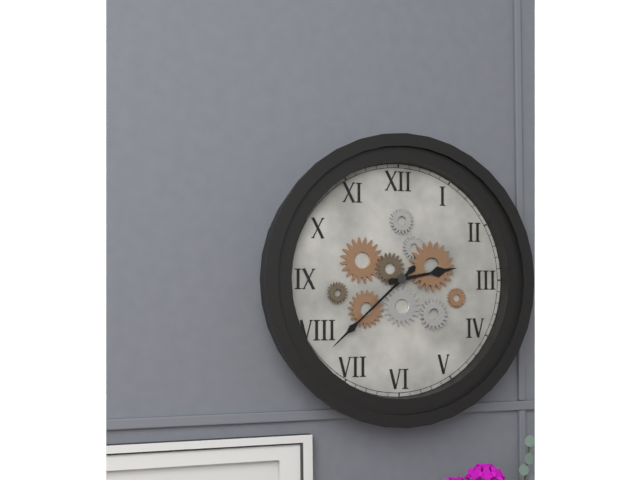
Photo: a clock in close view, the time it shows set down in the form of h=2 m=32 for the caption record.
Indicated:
h=2 m=38
